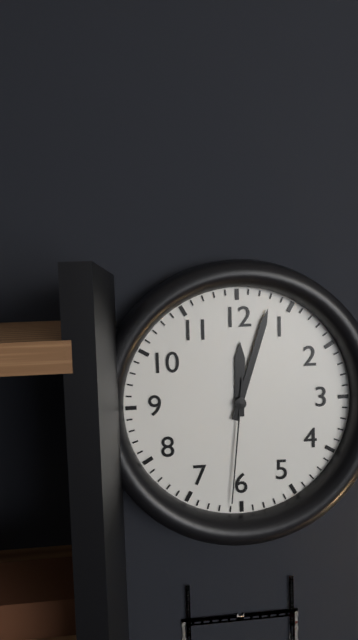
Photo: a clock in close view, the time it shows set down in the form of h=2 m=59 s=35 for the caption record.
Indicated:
h=12 m=3 s=31
